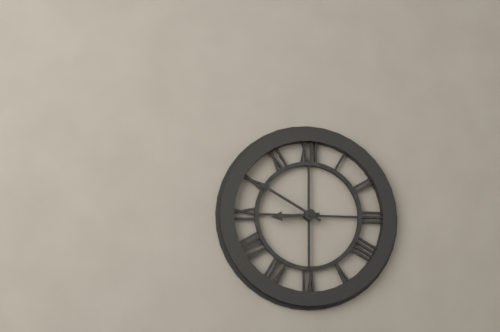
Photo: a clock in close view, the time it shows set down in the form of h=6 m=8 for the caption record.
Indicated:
h=8 m=50
